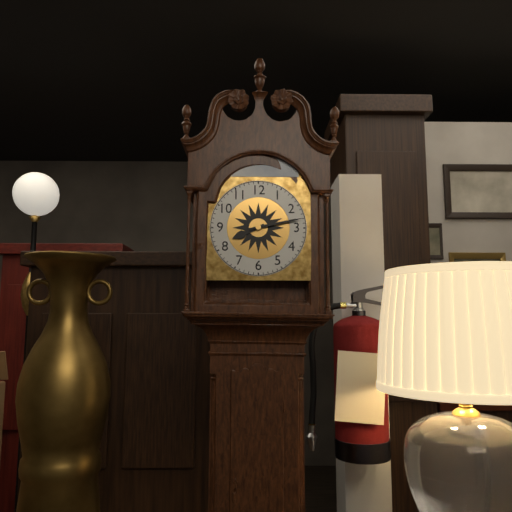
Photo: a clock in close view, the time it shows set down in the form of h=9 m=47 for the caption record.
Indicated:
h=8 m=13
